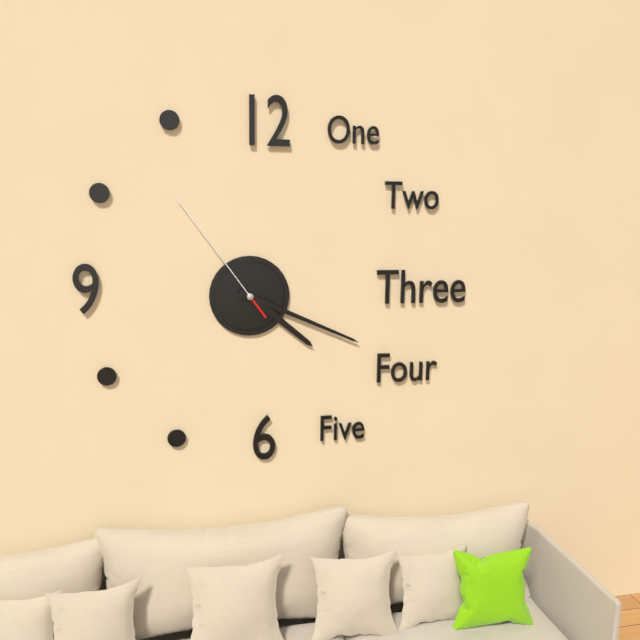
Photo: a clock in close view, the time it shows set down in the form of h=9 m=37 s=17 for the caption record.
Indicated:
h=4 m=19 s=54
